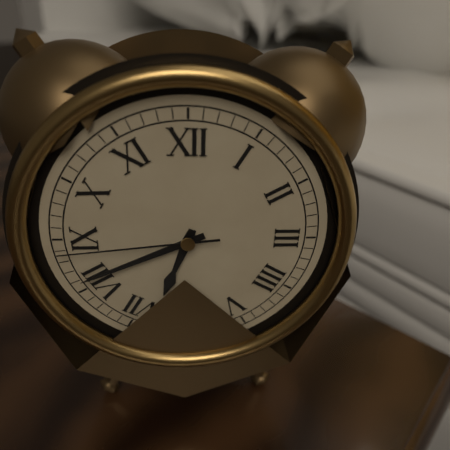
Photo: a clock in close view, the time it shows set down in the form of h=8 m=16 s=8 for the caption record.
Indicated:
h=6 m=41 s=44
